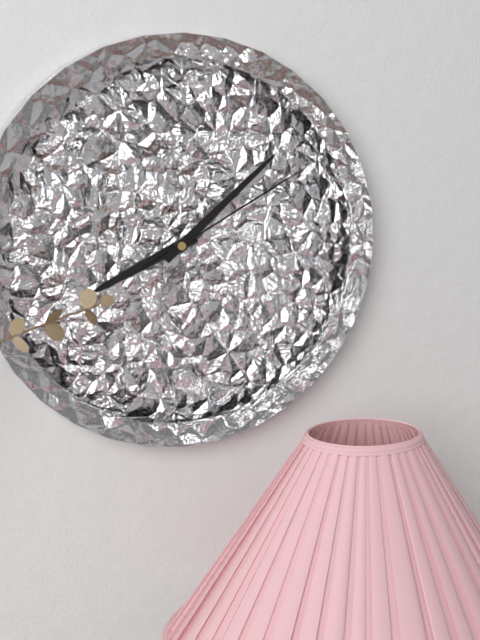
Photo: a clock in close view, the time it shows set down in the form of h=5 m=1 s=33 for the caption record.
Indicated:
h=8 m=8 s=10
